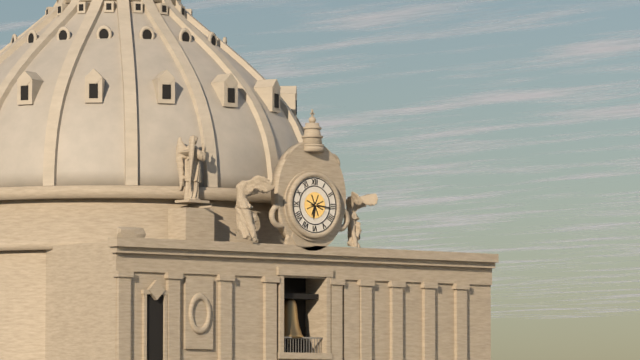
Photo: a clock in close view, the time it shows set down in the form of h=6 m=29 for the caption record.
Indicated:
h=6 m=16
